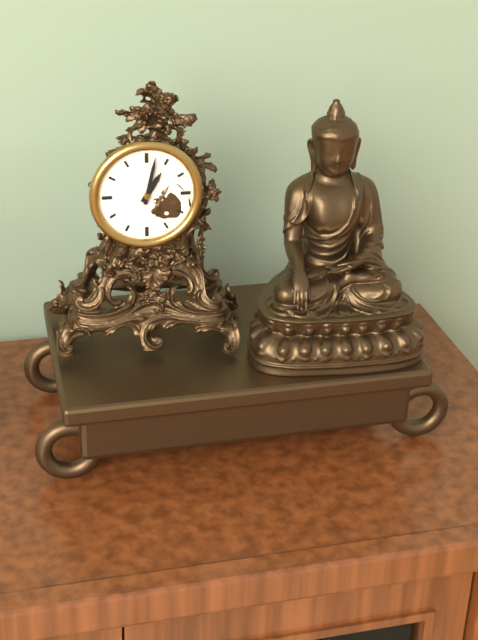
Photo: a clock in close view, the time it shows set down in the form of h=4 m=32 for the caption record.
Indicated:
h=1 m=2
